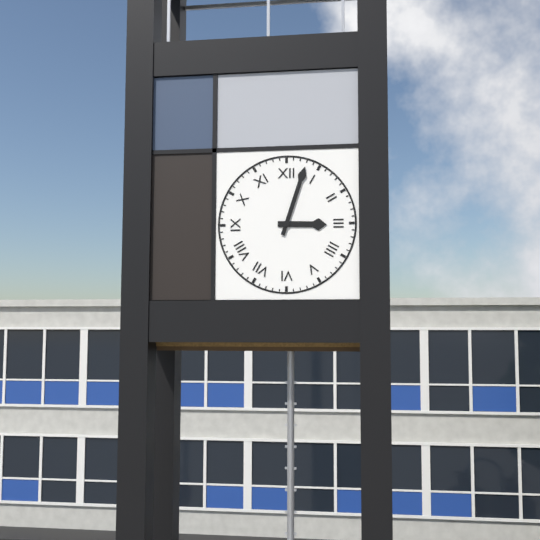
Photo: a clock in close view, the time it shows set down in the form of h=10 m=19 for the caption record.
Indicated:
h=3 m=3
